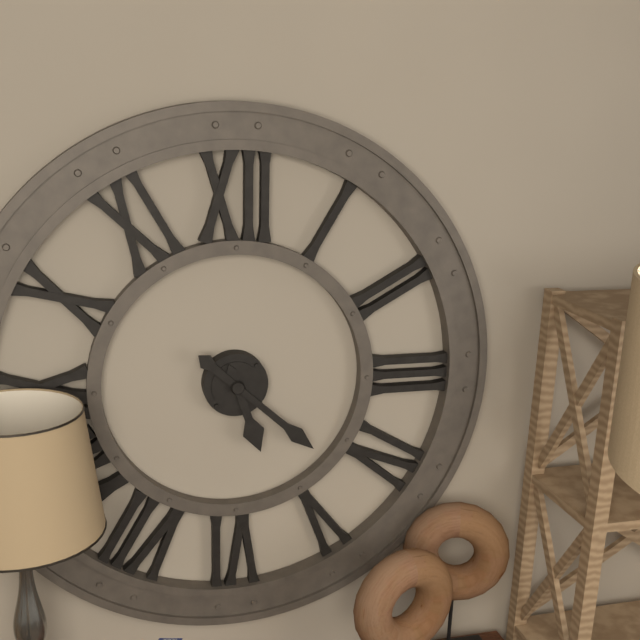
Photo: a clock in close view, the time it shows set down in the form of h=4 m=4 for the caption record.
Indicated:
h=5 m=22
